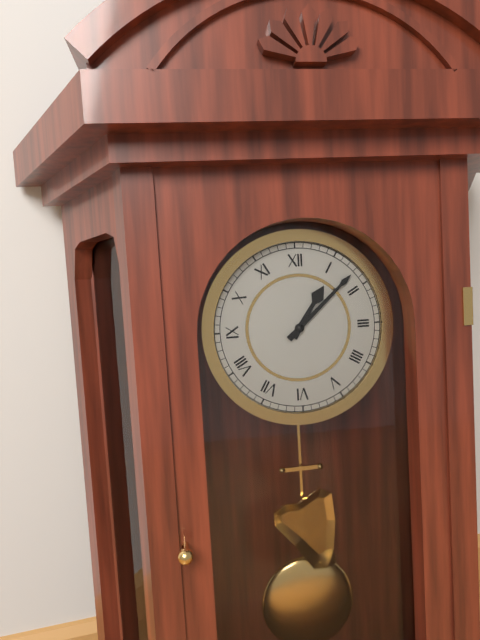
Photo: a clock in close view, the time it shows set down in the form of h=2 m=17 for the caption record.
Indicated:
h=1 m=8
